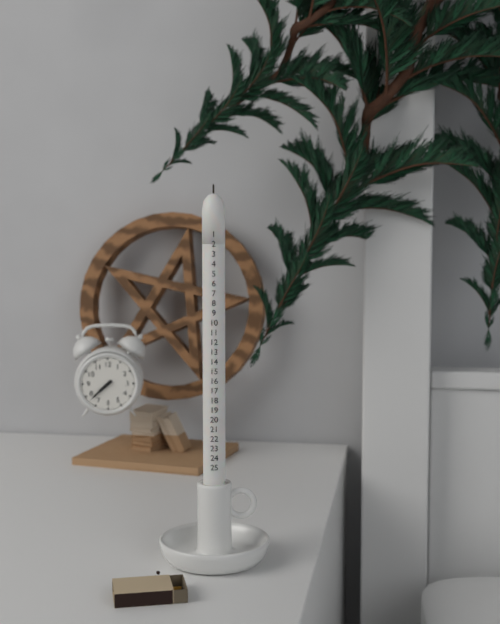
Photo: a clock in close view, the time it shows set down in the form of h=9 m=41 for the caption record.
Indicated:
h=7 m=38
